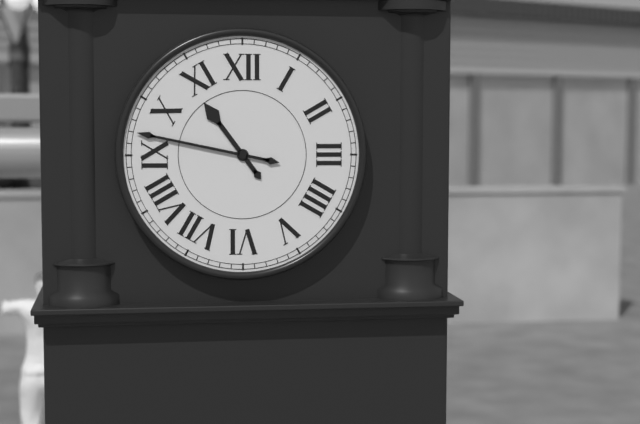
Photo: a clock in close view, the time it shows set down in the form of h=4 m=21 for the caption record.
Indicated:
h=10 m=47
